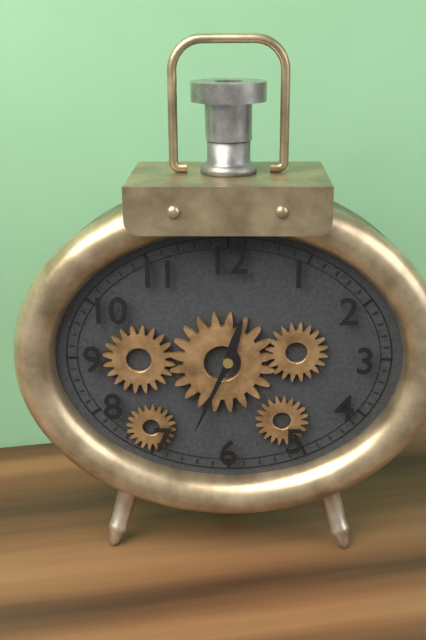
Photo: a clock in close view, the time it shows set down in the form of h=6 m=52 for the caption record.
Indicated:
h=12 m=34
